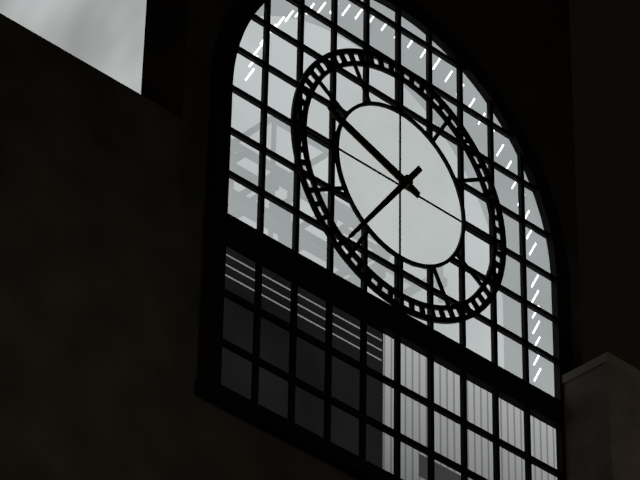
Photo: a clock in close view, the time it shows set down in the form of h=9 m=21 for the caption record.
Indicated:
h=9 m=36
